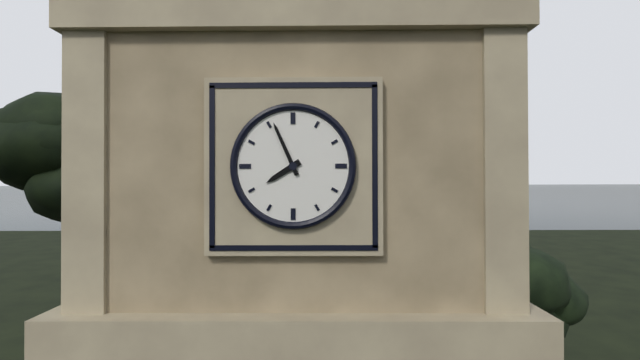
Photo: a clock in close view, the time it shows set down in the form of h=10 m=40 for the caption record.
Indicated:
h=7 m=56
